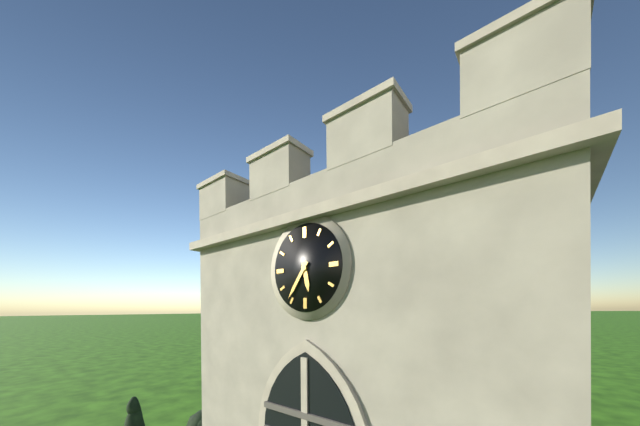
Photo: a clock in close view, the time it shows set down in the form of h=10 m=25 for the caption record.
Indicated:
h=5 m=36
